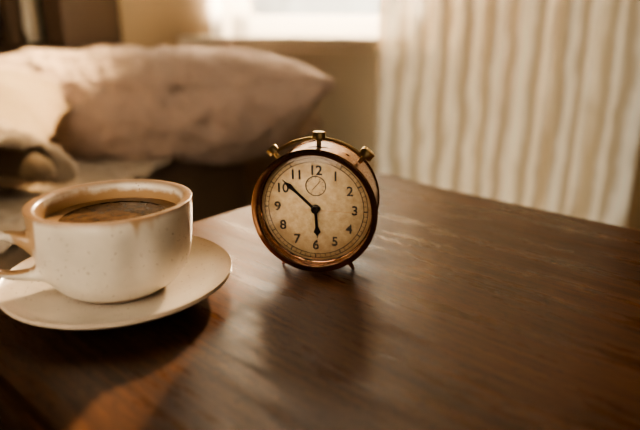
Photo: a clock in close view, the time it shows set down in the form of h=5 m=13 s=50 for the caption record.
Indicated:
h=5 m=52 s=15
